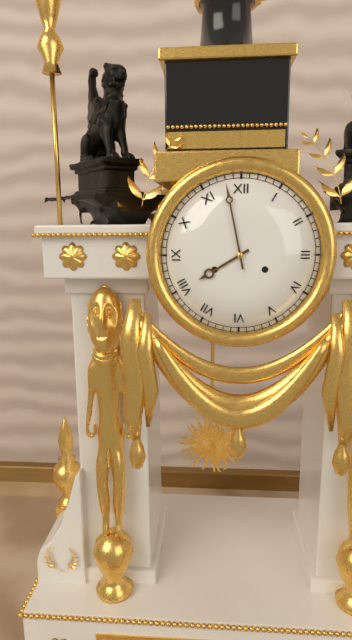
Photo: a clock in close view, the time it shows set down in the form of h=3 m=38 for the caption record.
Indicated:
h=7 m=58
